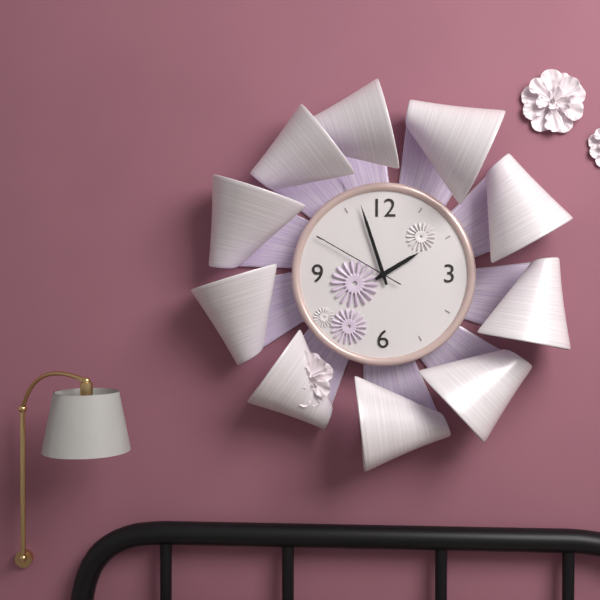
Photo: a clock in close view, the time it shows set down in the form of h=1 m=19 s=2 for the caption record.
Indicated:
h=1 m=57 s=50
